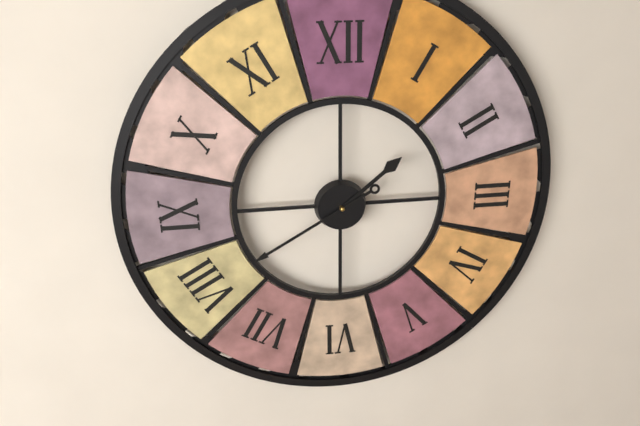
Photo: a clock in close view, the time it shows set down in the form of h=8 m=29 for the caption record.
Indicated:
h=1 m=40
